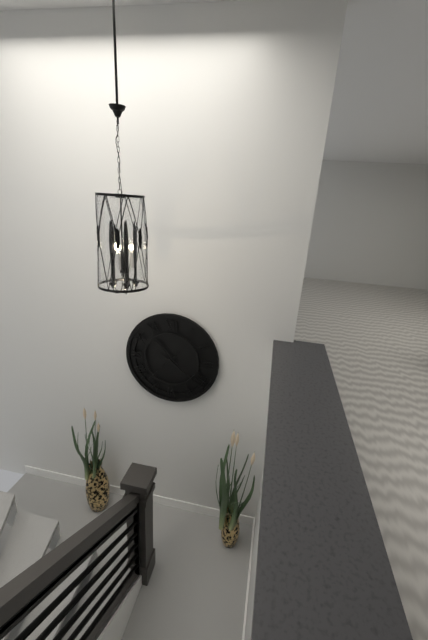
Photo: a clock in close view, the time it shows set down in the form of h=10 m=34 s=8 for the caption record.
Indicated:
h=10 m=37 s=21
